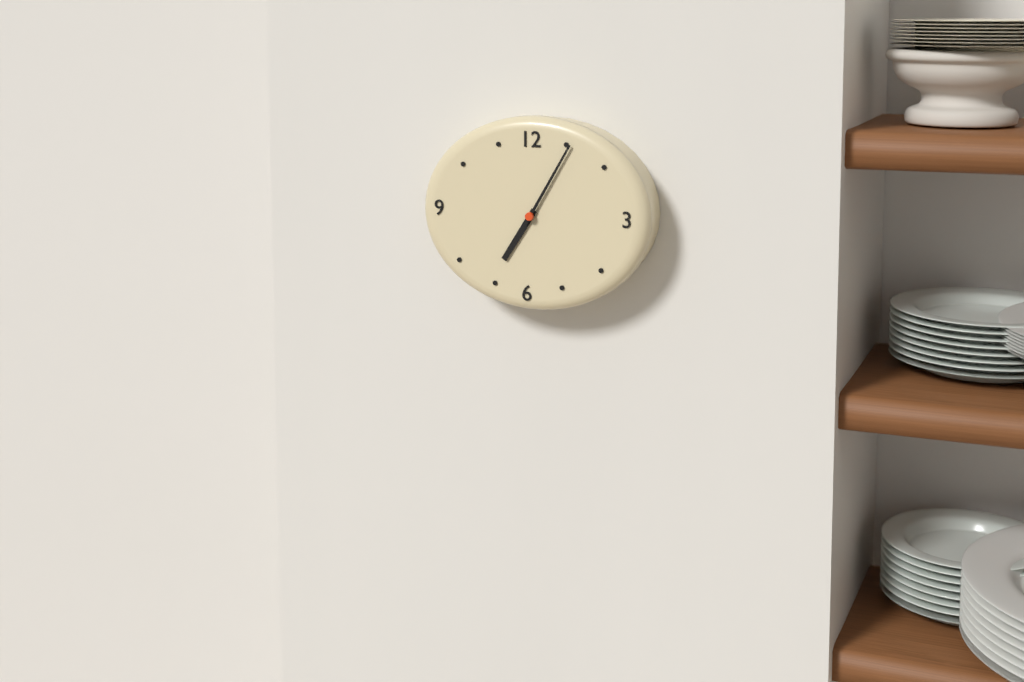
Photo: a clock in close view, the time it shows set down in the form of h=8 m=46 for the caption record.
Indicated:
h=7 m=5
